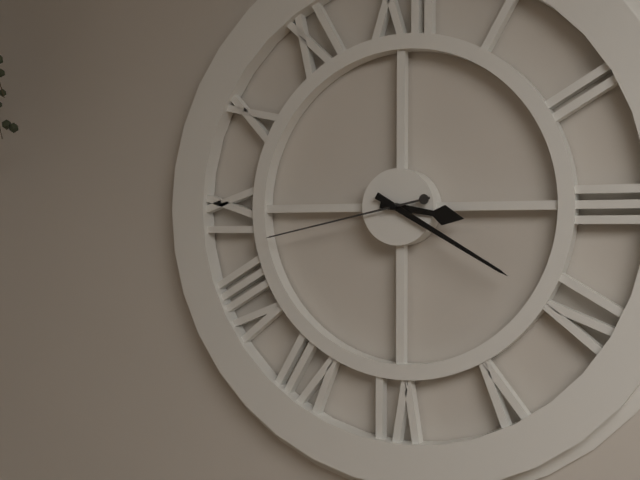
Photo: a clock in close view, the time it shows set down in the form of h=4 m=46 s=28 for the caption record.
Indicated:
h=3 m=20 s=43
